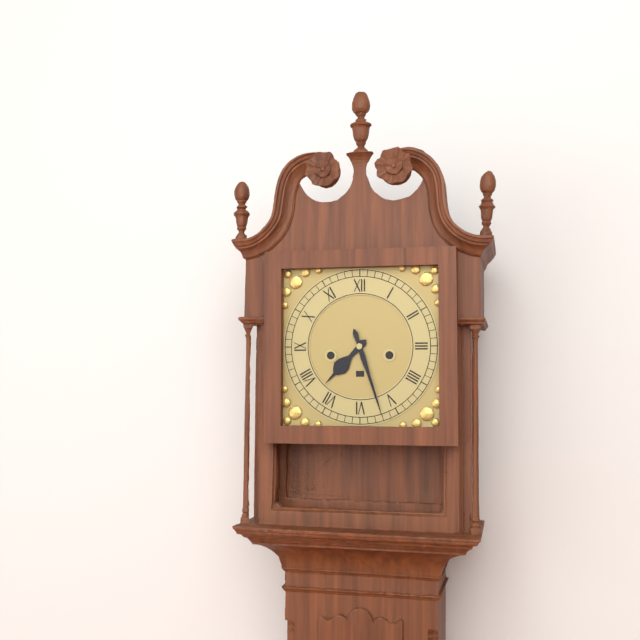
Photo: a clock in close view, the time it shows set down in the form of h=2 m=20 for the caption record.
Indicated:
h=7 m=27
